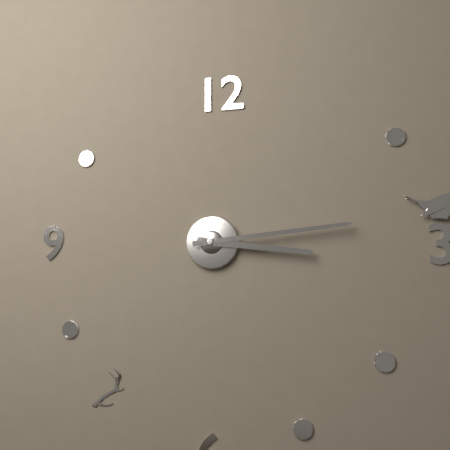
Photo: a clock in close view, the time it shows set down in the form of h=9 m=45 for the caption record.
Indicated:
h=3 m=14
